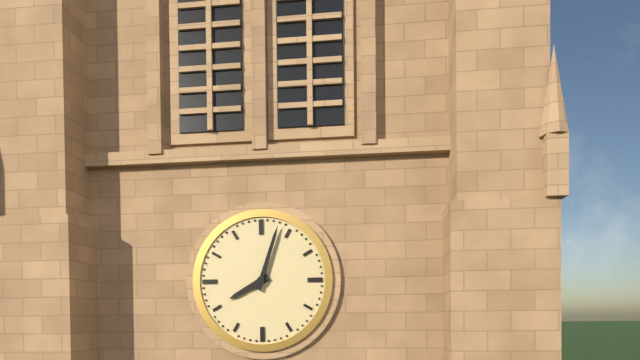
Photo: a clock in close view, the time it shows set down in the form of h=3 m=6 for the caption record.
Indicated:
h=8 m=3
